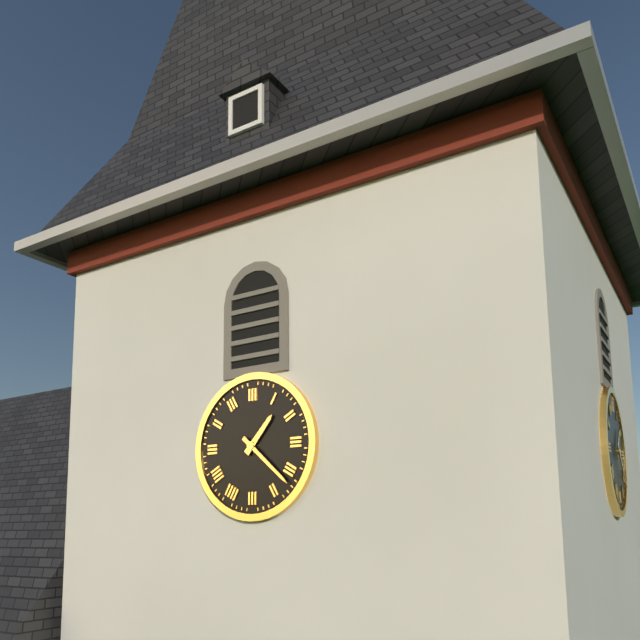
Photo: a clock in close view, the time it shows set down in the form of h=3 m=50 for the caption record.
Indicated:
h=1 m=22
